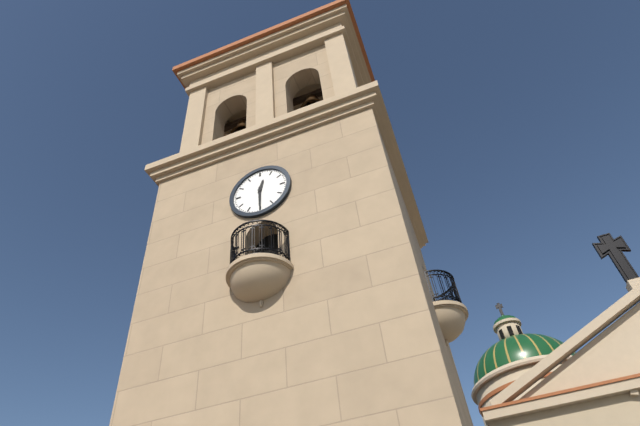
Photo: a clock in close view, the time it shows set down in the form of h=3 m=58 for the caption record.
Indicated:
h=12 m=30
